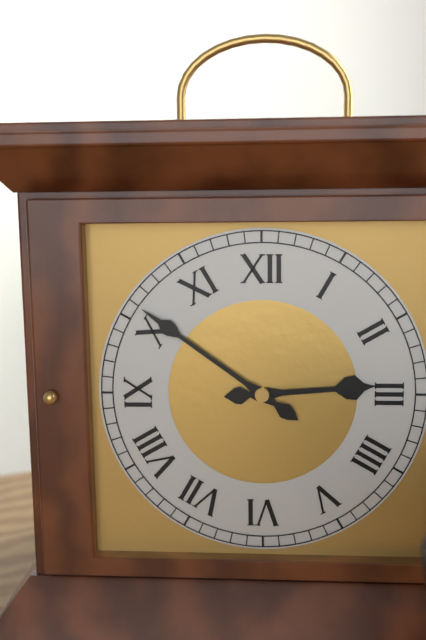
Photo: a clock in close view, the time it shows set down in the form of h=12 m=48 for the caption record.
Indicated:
h=2 m=51
